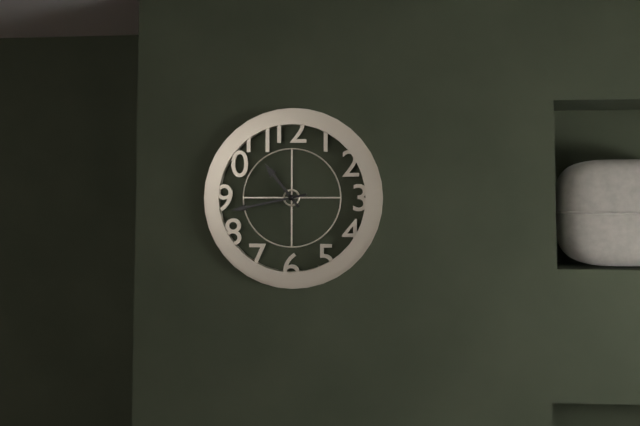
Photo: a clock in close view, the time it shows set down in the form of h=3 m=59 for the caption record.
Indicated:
h=10 m=43
